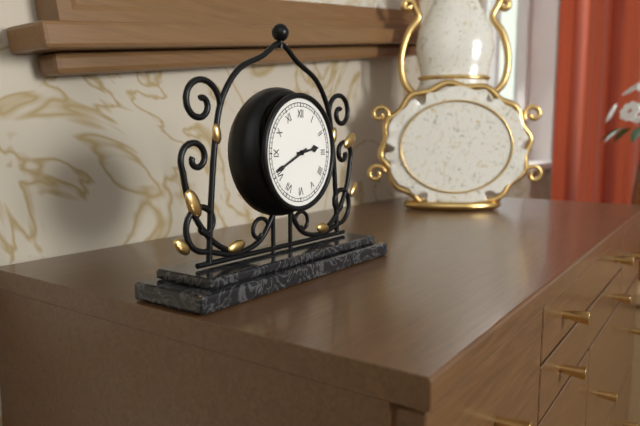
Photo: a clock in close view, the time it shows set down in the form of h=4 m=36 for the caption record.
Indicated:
h=2 m=41
